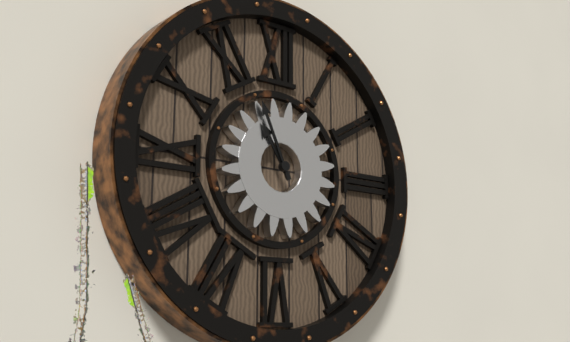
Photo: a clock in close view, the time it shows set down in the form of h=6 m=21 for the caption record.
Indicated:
h=10 m=56
